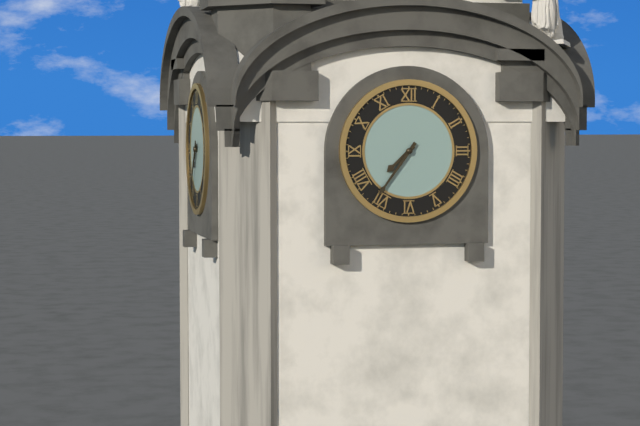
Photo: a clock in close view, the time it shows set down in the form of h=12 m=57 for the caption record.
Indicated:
h=7 m=36
